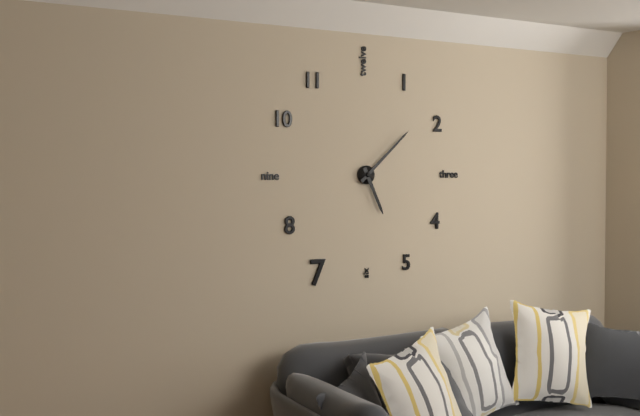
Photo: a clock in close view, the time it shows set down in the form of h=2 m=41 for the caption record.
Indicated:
h=5 m=8
